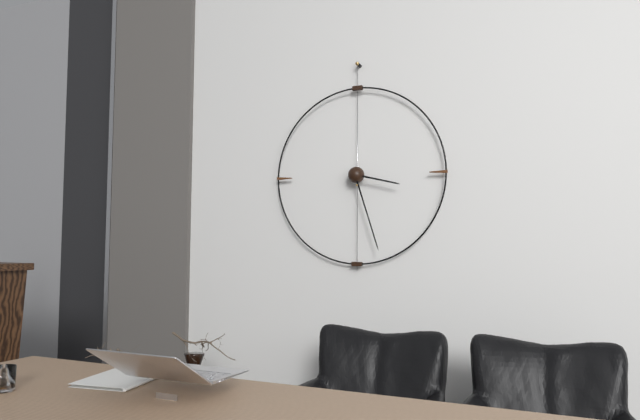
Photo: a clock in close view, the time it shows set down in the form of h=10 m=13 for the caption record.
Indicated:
h=3 m=27
